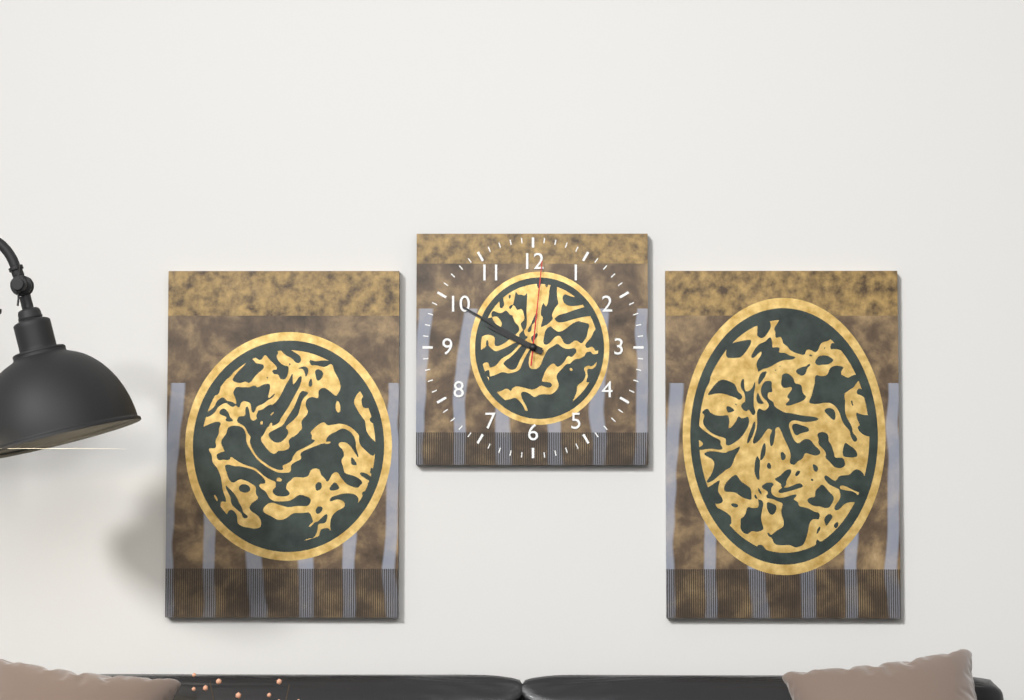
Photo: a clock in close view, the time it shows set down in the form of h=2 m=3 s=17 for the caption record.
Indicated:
h=9 m=50 s=1
